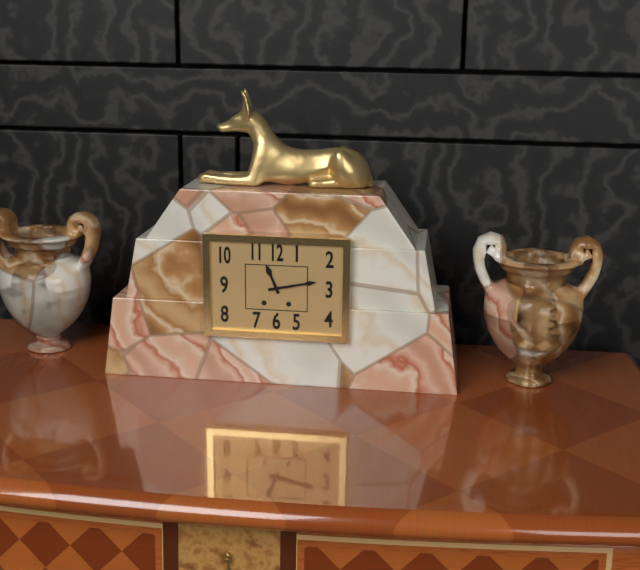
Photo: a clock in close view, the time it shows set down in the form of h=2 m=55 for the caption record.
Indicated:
h=11 m=13
